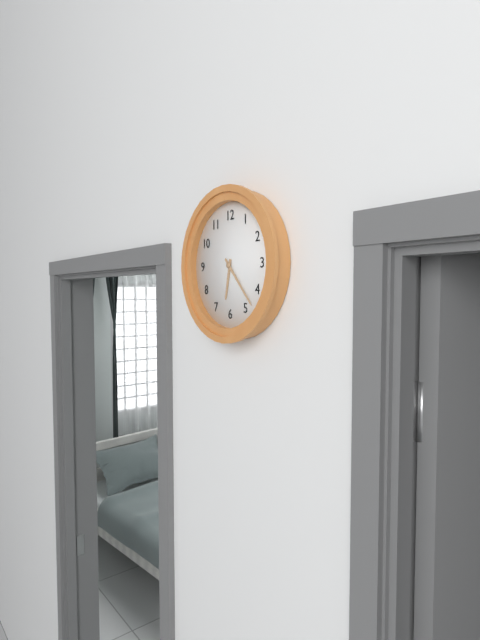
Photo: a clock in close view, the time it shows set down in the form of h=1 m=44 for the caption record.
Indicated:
h=6 m=23
